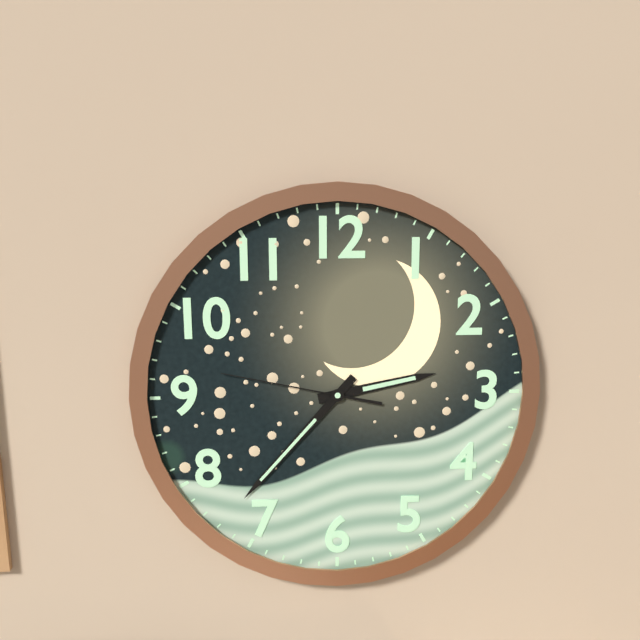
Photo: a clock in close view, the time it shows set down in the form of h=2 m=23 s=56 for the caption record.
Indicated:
h=2 m=37 s=47
